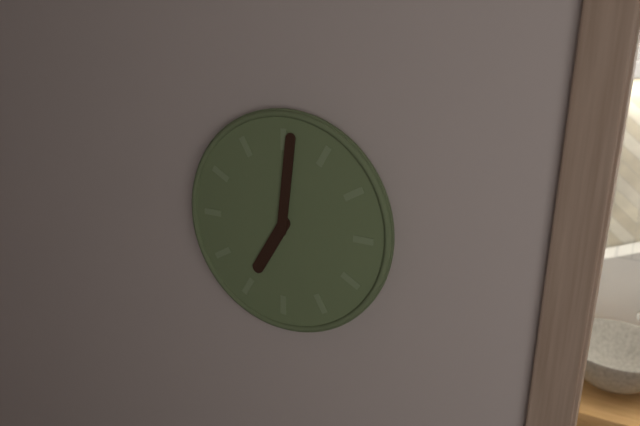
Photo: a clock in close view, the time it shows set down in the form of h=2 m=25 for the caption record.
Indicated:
h=7 m=1
